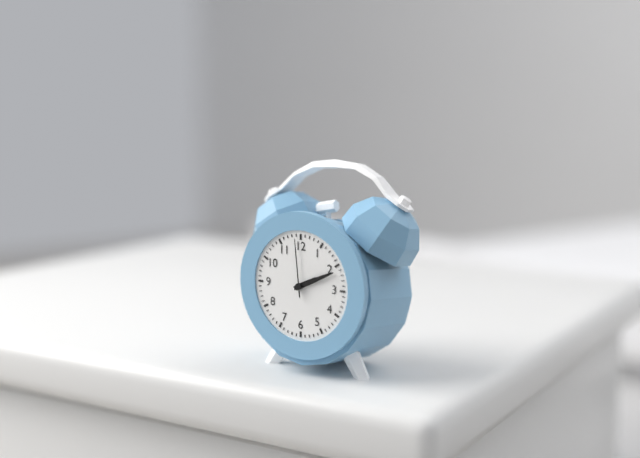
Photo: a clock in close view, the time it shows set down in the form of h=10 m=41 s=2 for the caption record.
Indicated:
h=2 m=11 s=59
